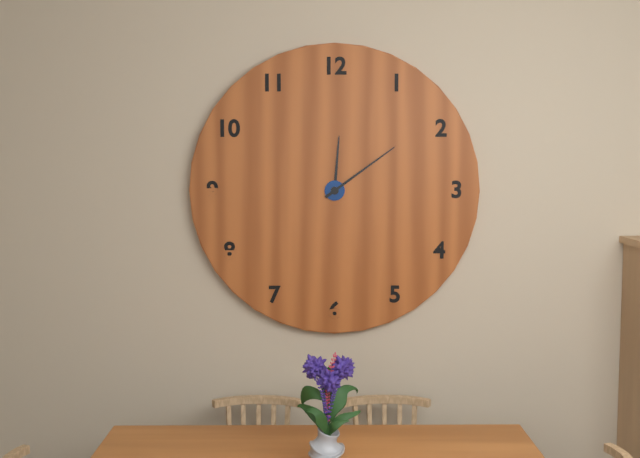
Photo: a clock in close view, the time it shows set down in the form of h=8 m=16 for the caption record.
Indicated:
h=12 m=9
